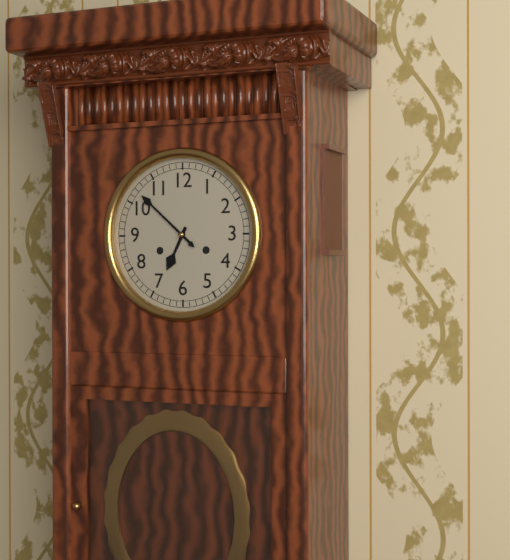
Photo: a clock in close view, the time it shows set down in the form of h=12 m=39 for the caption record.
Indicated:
h=6 m=52
